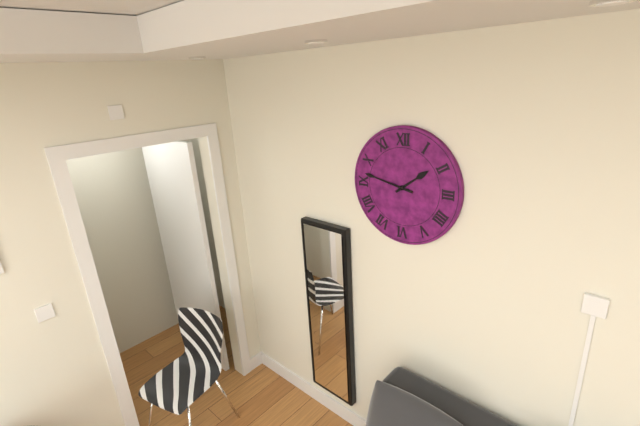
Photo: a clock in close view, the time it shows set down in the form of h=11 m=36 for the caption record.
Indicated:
h=1 m=47
